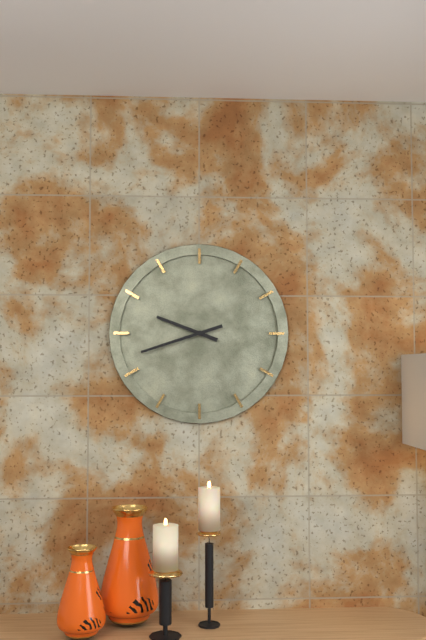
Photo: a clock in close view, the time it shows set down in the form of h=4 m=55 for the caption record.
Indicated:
h=9 m=42
